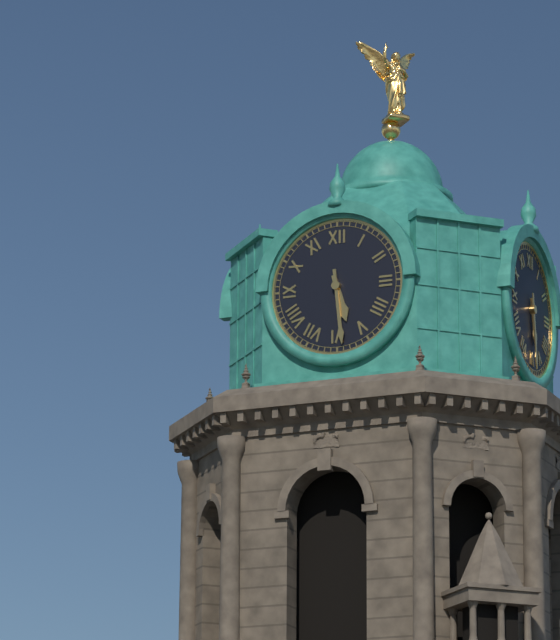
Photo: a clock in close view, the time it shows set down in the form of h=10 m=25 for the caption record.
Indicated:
h=5 m=29
